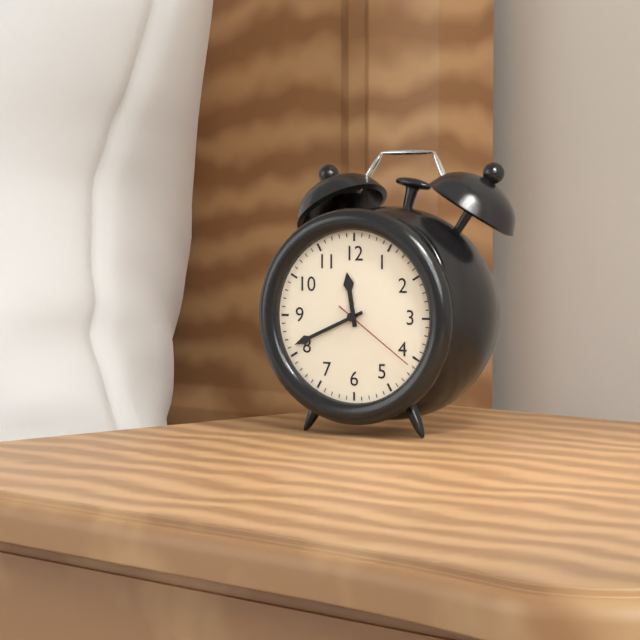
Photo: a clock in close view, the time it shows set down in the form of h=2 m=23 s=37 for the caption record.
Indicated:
h=11 m=41 s=21
